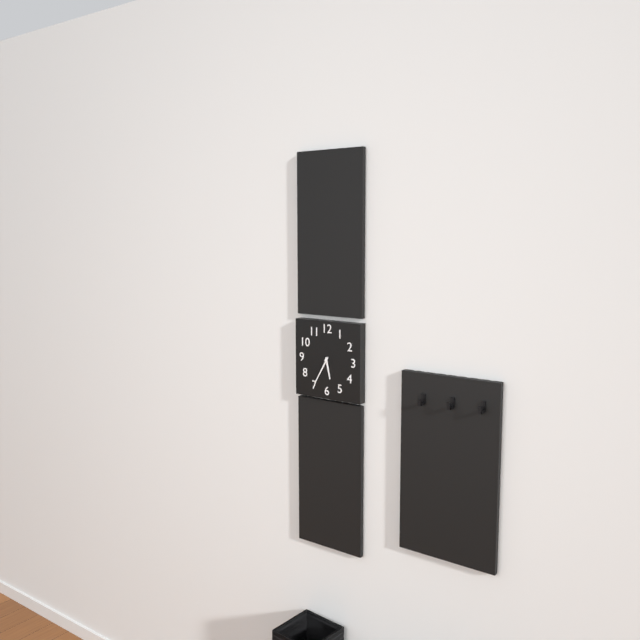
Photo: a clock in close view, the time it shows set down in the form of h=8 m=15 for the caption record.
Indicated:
h=5 m=35
